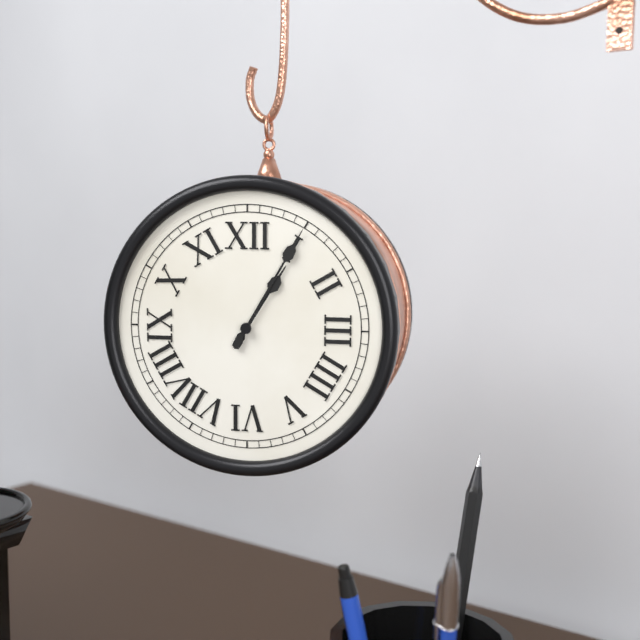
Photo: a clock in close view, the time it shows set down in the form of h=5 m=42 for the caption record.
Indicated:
h=1 m=5
